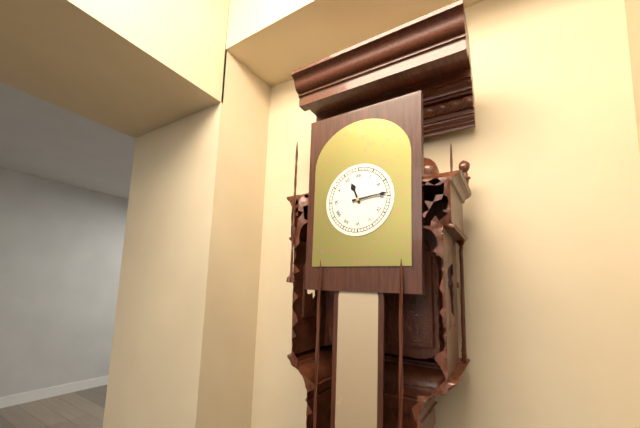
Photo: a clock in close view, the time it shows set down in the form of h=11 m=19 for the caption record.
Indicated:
h=11 m=14
